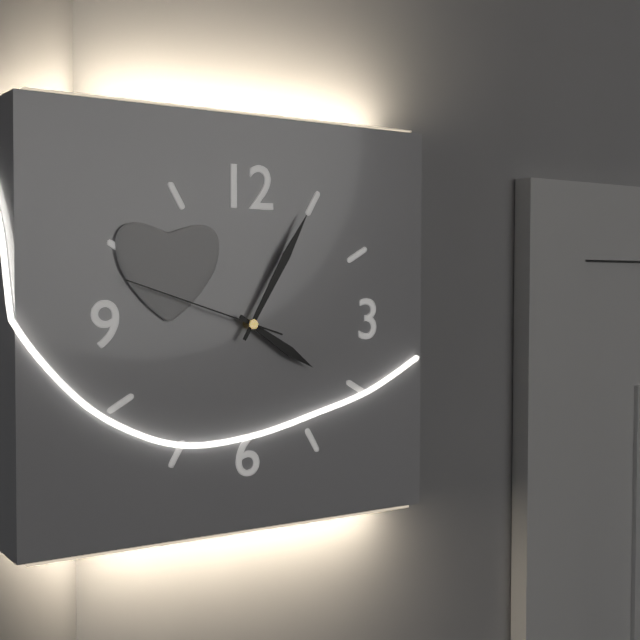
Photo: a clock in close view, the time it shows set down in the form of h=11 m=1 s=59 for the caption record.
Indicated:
h=4 m=5 s=48
